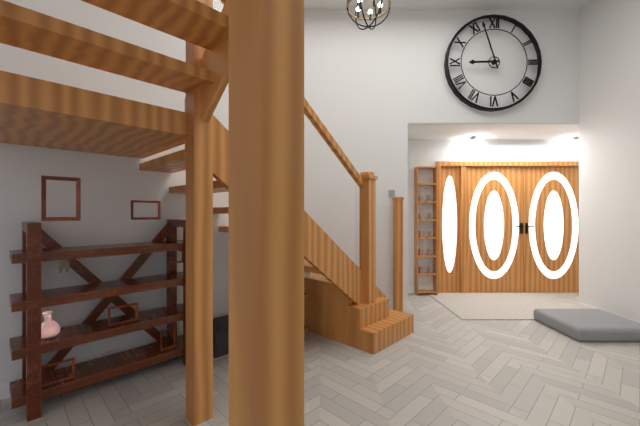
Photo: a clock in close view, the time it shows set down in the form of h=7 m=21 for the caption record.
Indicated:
h=8 m=57
